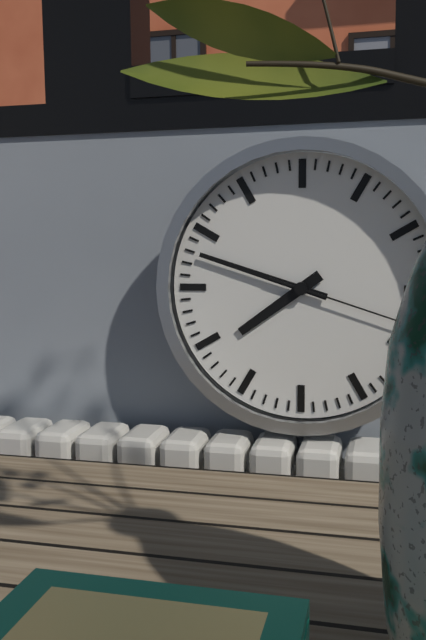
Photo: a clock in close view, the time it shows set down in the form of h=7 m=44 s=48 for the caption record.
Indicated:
h=7 m=48 s=18
